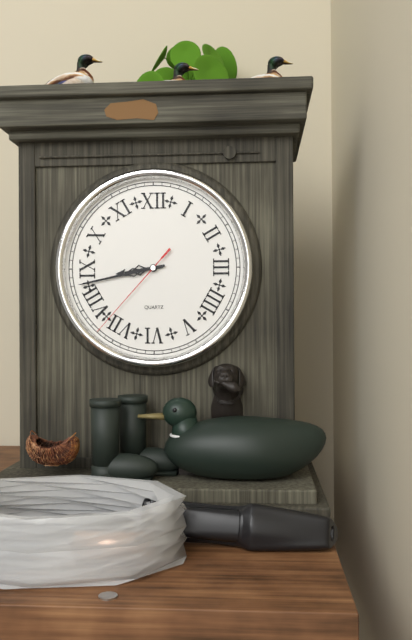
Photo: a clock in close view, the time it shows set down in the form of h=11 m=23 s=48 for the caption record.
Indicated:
h=8 m=43 s=37
